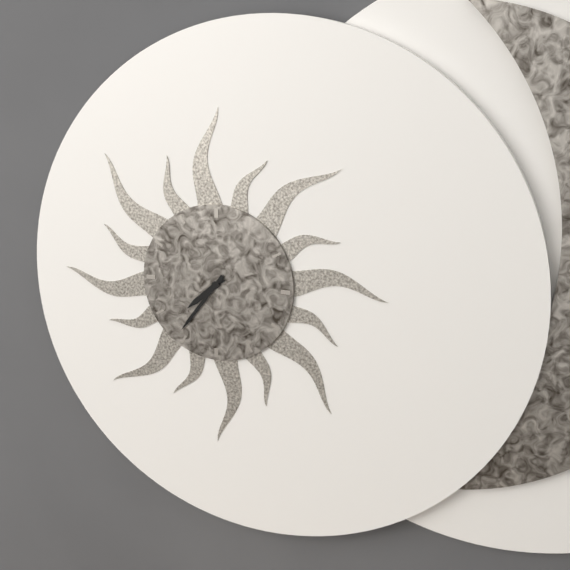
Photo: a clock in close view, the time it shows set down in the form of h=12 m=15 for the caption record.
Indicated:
h=7 m=36
